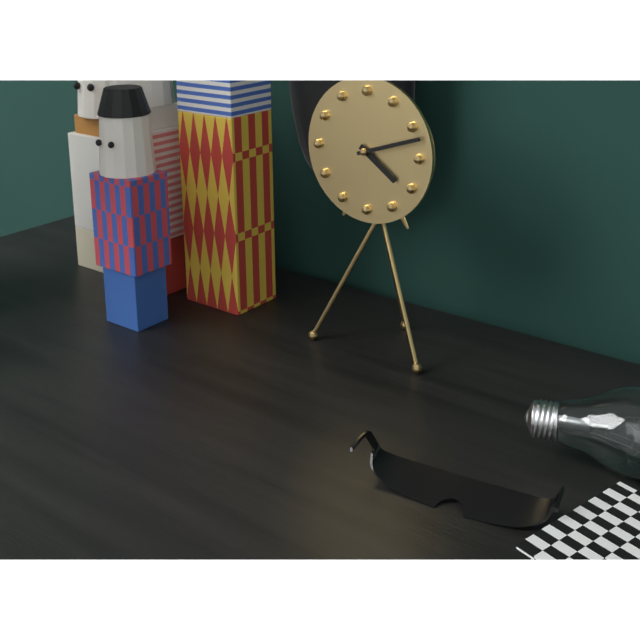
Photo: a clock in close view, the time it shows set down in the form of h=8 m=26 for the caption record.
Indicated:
h=4 m=12
